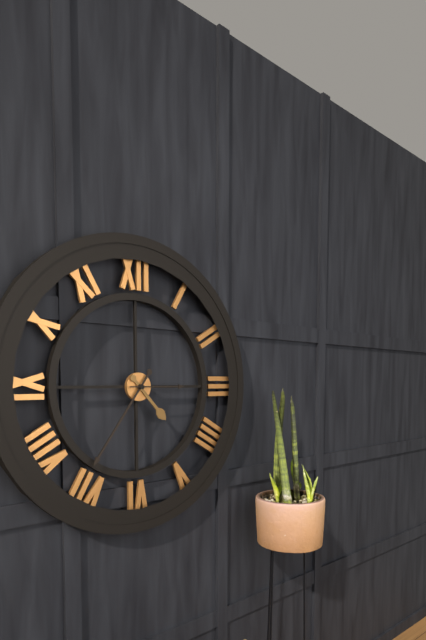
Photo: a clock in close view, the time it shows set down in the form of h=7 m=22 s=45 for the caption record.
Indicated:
h=4 m=36 s=15
